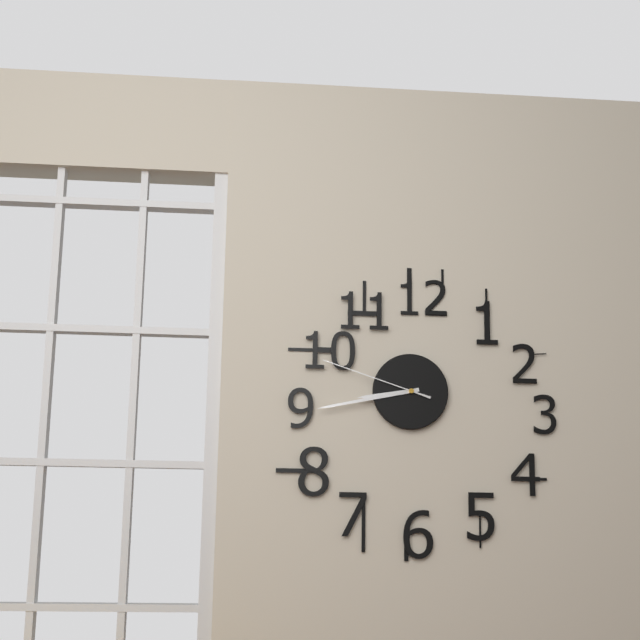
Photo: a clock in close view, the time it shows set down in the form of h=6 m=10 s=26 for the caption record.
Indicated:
h=8 m=43 s=48
